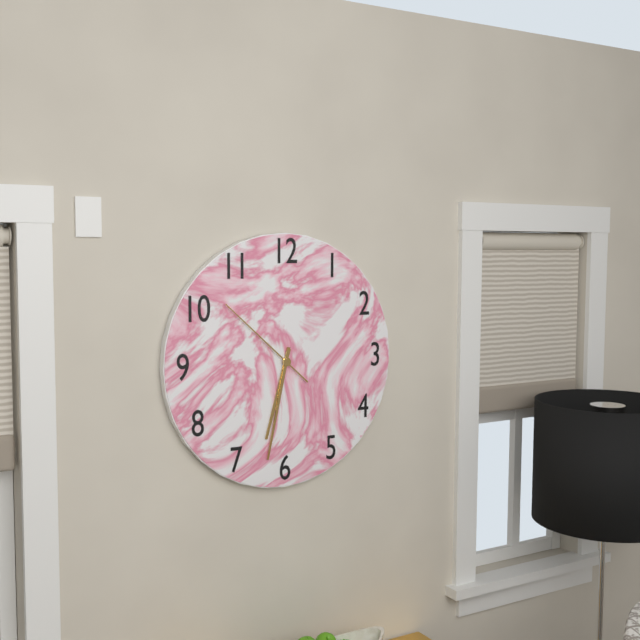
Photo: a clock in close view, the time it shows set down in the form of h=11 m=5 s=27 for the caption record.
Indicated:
h=6 m=32 s=52
